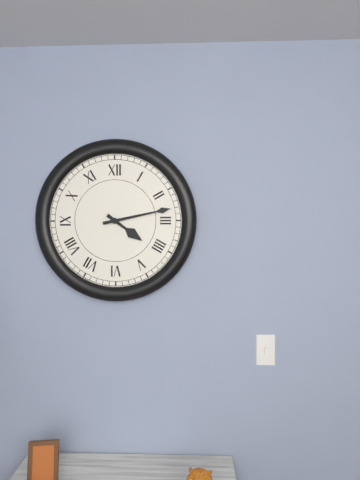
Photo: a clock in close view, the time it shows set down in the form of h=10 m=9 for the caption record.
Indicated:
h=4 m=13
